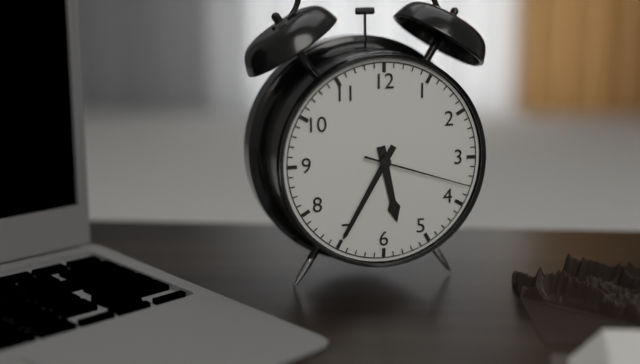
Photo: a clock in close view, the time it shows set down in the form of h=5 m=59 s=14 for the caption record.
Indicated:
h=5 m=35 s=18
